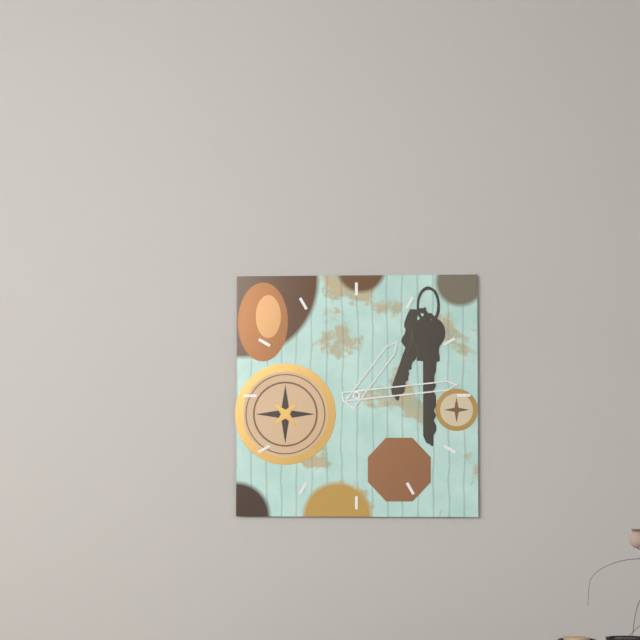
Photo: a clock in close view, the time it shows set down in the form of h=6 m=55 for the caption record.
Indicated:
h=1 m=14
